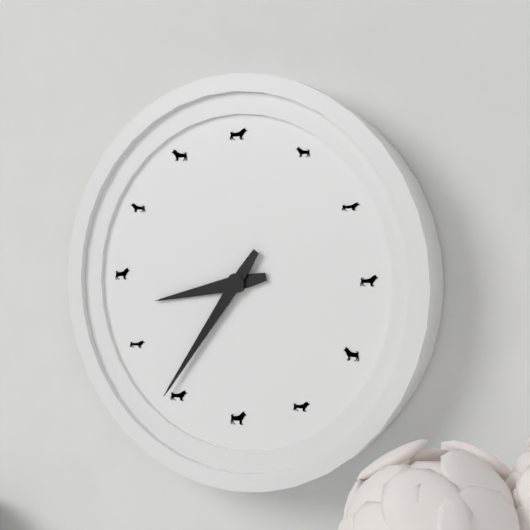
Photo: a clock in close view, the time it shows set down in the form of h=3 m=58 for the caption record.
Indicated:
h=8 m=36
